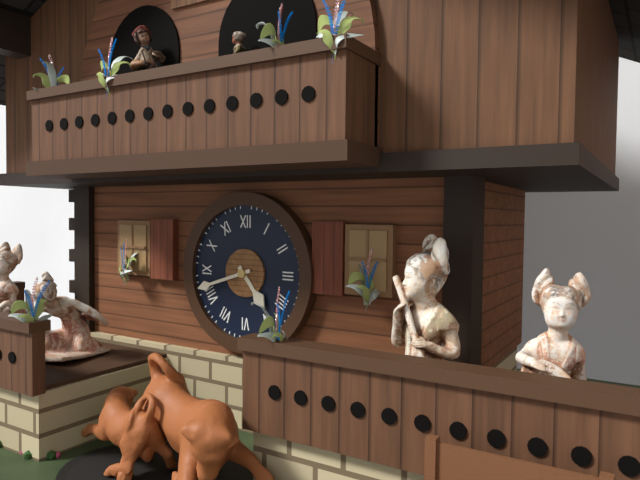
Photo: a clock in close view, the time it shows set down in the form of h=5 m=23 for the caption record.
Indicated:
h=4 m=42
